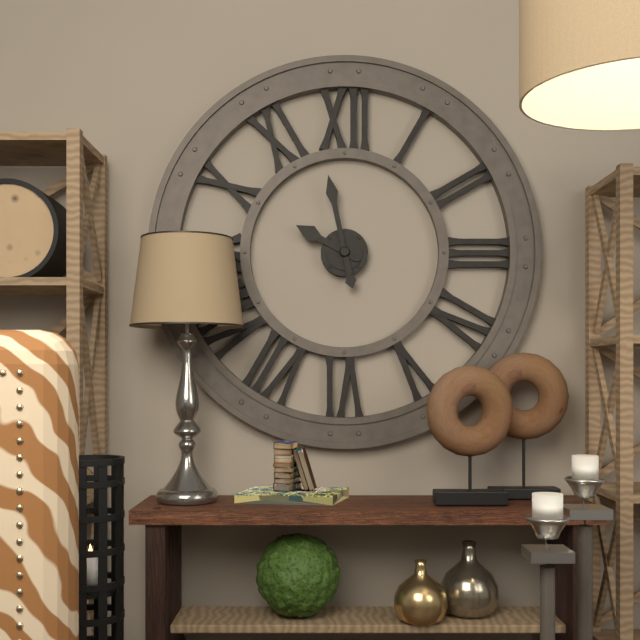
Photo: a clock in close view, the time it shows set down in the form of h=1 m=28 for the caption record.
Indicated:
h=9 m=58
